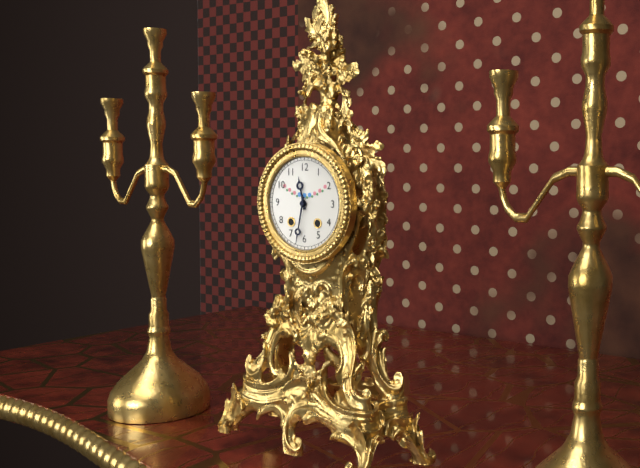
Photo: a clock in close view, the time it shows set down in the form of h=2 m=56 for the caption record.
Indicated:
h=11 m=32
